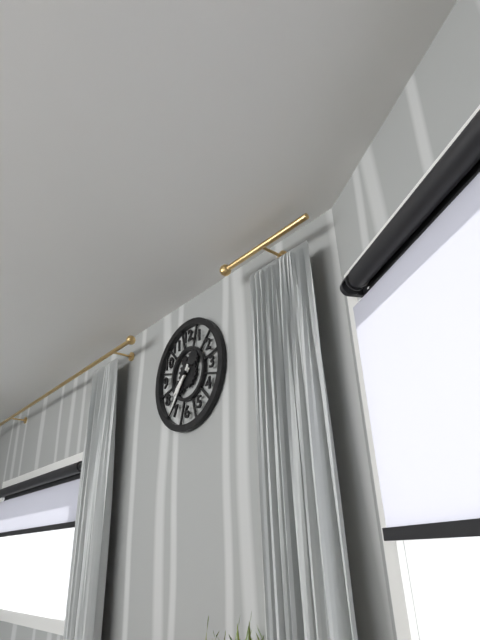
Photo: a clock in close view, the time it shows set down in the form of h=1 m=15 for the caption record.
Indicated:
h=7 m=36
